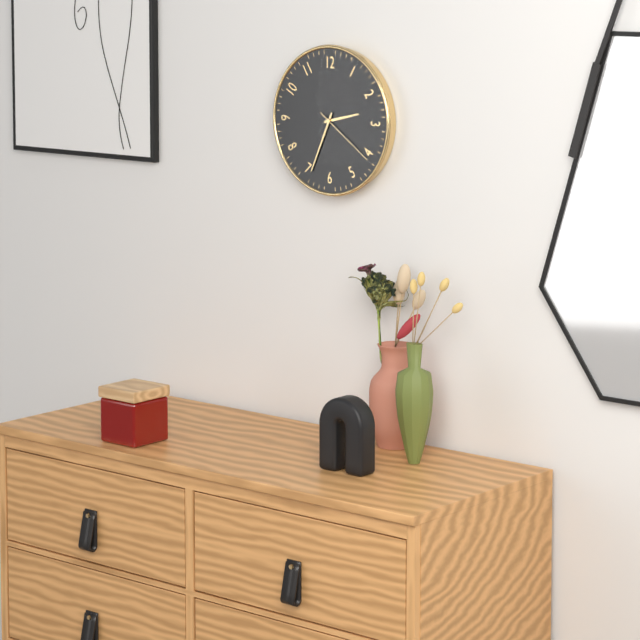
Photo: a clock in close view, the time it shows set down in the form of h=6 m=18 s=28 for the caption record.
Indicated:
h=2 m=34 s=21
